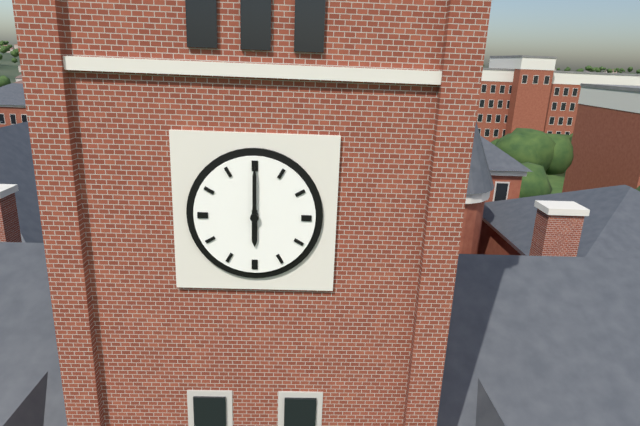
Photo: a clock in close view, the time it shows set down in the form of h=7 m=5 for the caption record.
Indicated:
h=6 m=0
